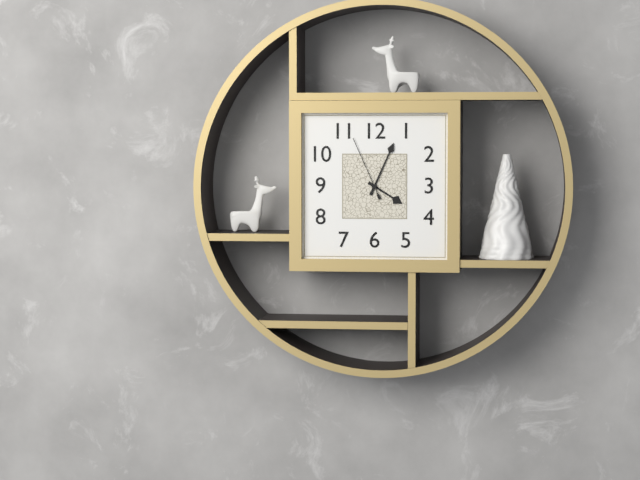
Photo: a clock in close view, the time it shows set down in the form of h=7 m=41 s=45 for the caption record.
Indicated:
h=4 m=4 s=56
